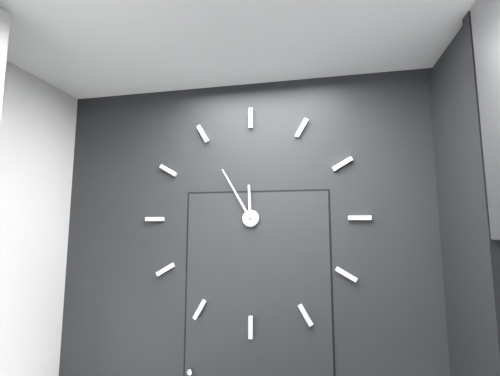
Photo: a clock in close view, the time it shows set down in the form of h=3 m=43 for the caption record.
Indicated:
h=11 m=55
